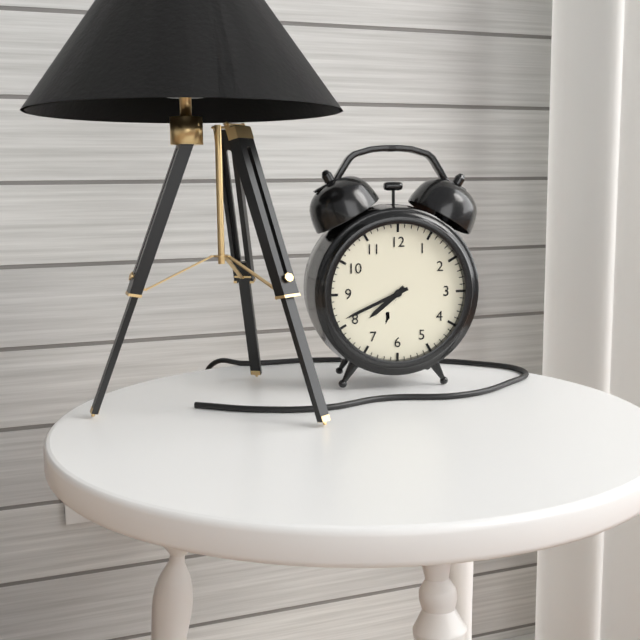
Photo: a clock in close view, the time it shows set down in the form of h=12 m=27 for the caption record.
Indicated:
h=7 m=41
